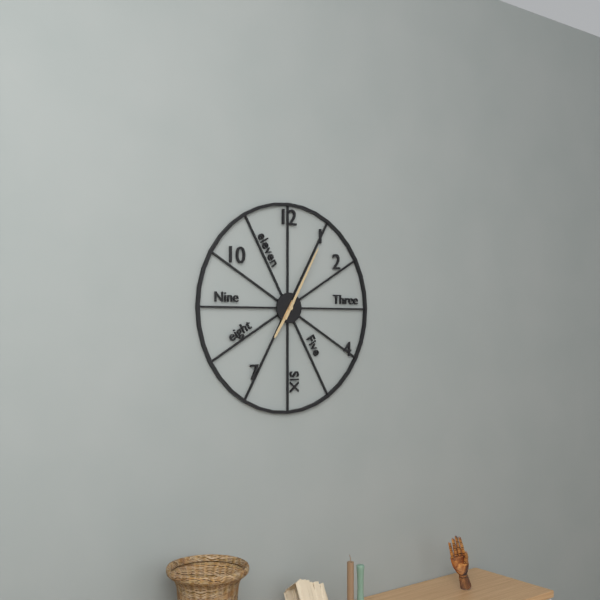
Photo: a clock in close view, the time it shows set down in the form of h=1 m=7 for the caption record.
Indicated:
h=7 m=5
